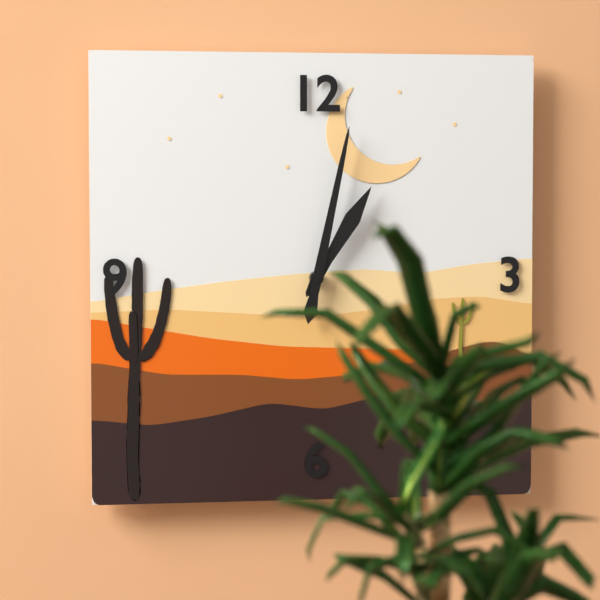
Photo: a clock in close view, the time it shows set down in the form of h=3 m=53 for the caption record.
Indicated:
h=1 m=2
